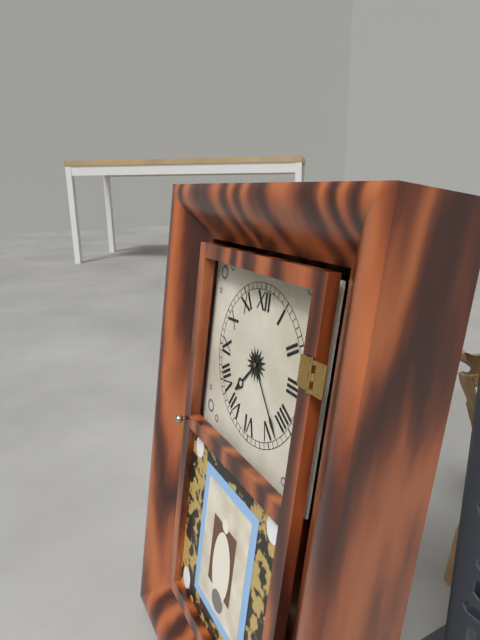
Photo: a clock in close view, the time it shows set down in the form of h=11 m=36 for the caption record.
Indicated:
h=7 m=23
